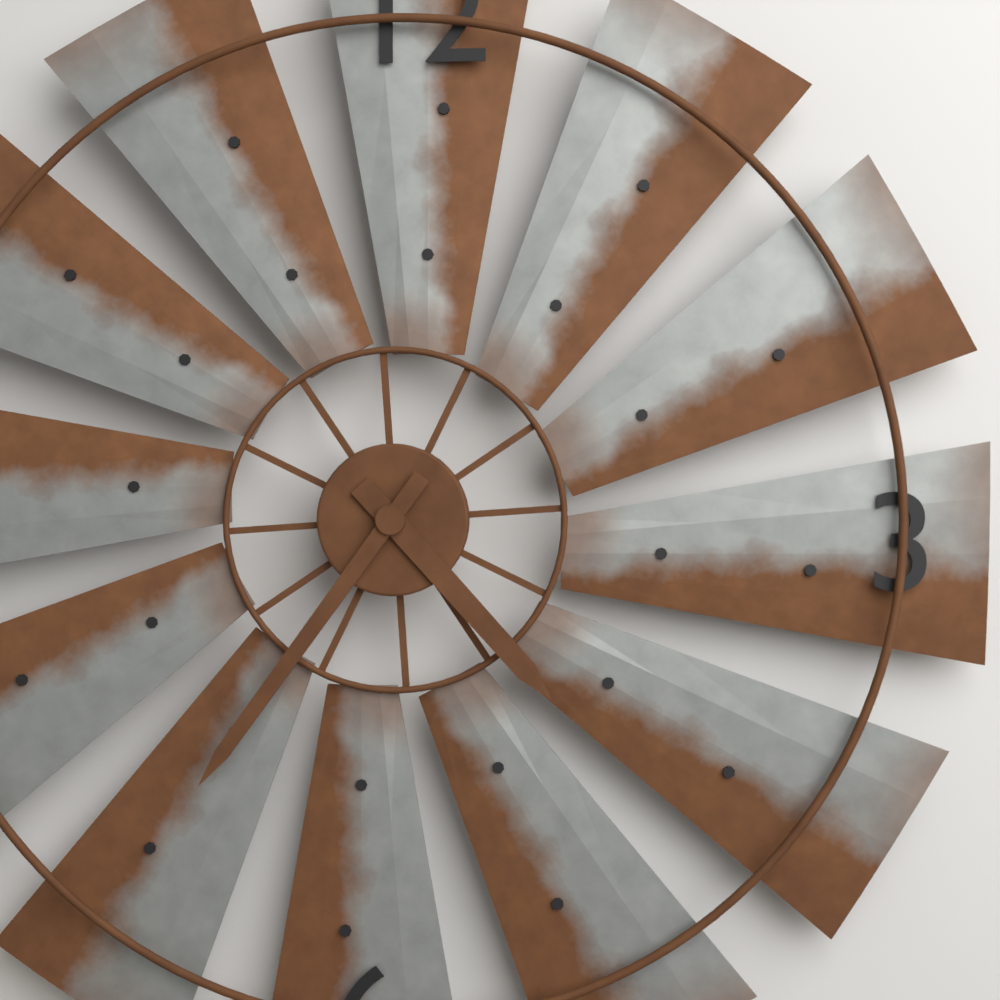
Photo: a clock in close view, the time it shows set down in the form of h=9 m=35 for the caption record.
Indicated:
h=4 m=36
